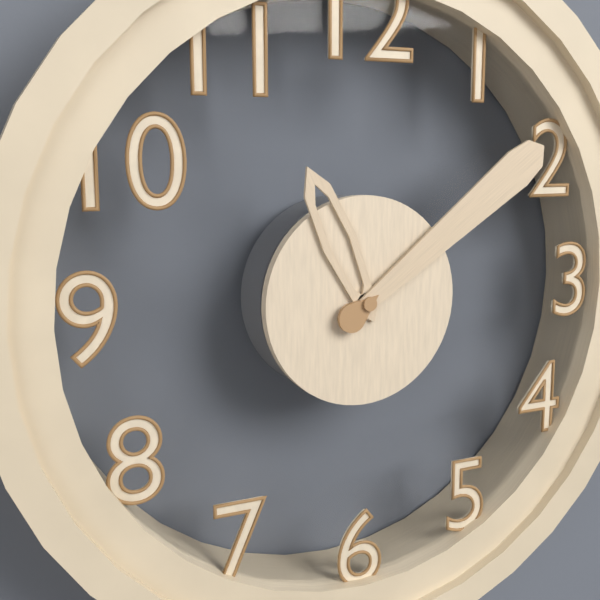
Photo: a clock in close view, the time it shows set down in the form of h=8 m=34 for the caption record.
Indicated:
h=11 m=9
